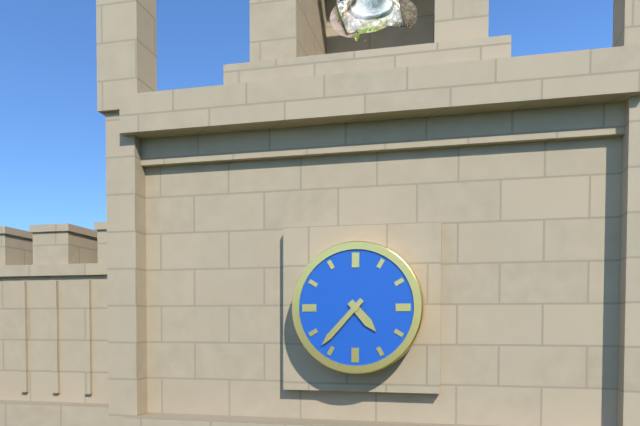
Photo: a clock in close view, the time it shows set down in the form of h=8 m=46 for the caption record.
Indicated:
h=4 m=37
